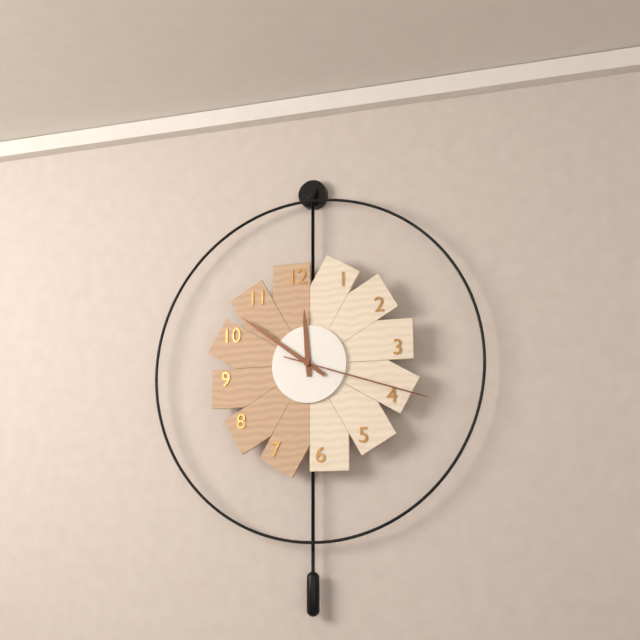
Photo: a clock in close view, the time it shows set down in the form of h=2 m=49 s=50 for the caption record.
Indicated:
h=11 m=51 s=18
